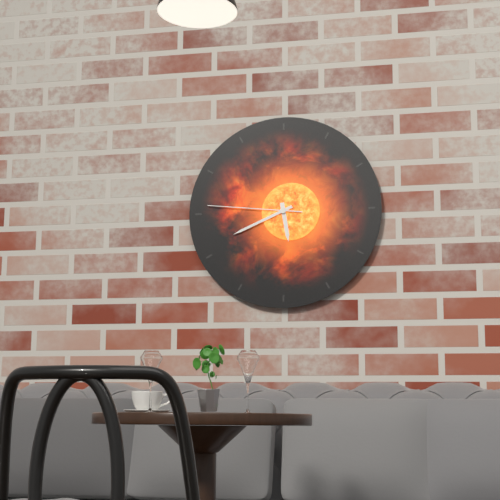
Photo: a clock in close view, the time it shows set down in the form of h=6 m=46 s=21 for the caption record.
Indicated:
h=5 m=41 s=46
